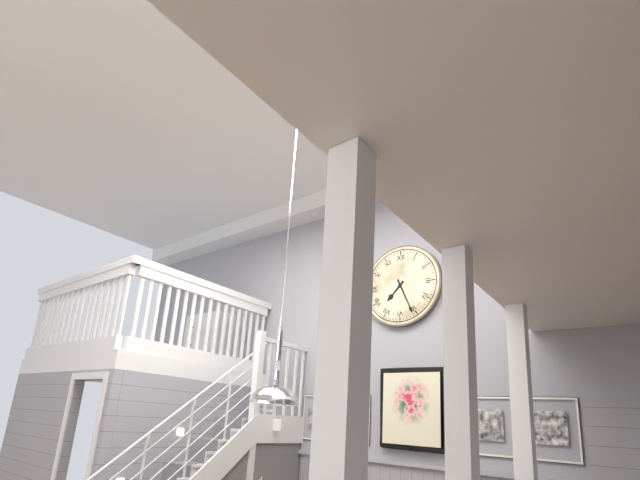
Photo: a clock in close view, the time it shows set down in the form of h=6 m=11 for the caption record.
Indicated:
h=7 m=26
